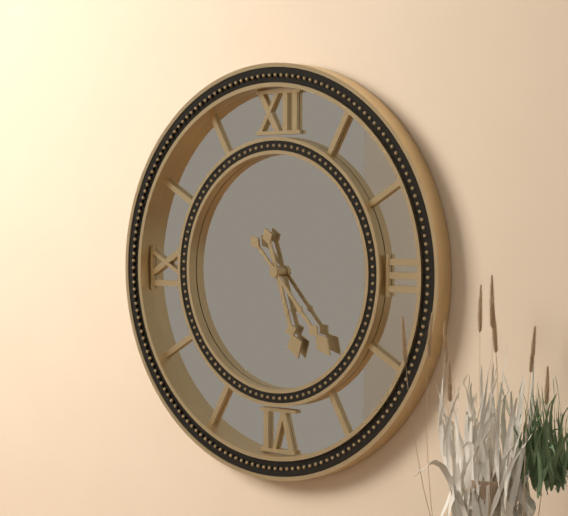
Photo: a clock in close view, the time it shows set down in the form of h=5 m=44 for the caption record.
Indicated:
h=5 m=23
